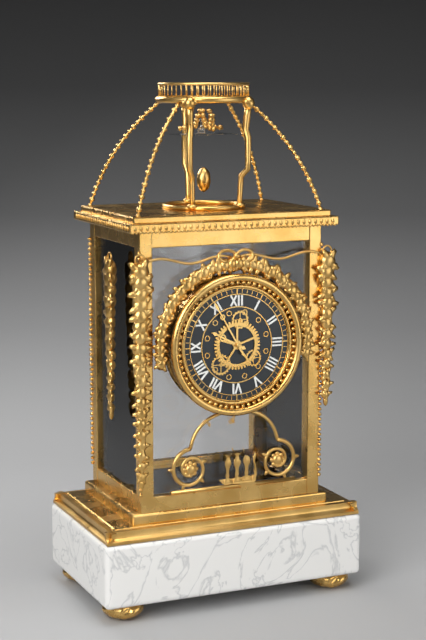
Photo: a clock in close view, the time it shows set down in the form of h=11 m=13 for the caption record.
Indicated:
h=9 m=55
